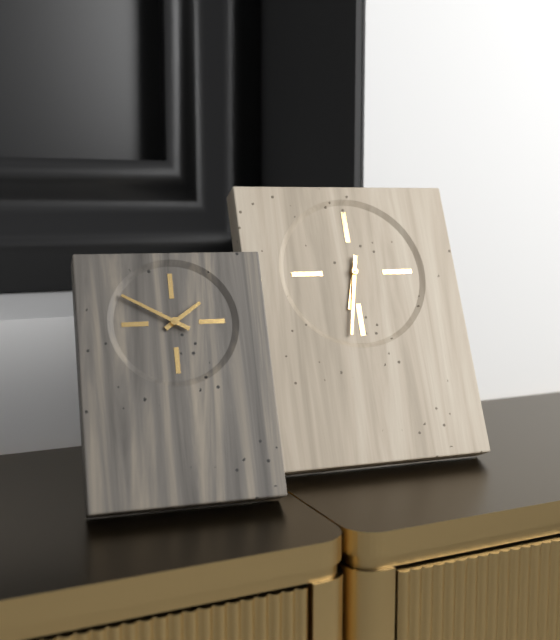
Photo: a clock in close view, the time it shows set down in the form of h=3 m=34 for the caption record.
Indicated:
h=6 m=32
